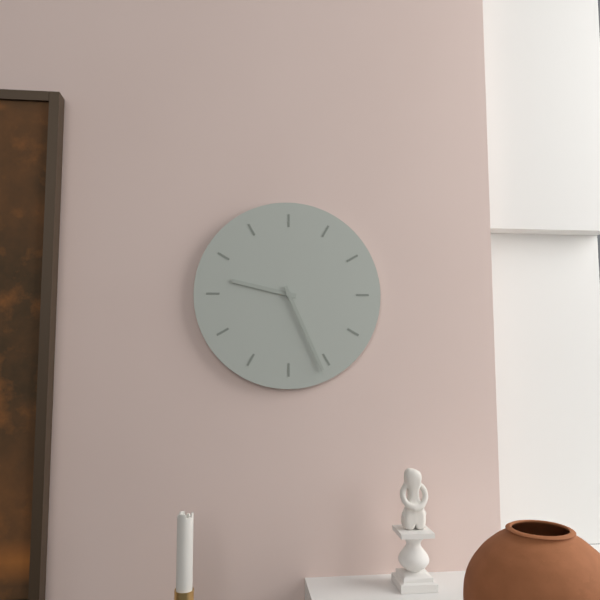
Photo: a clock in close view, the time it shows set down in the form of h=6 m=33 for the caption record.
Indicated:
h=9 m=26
